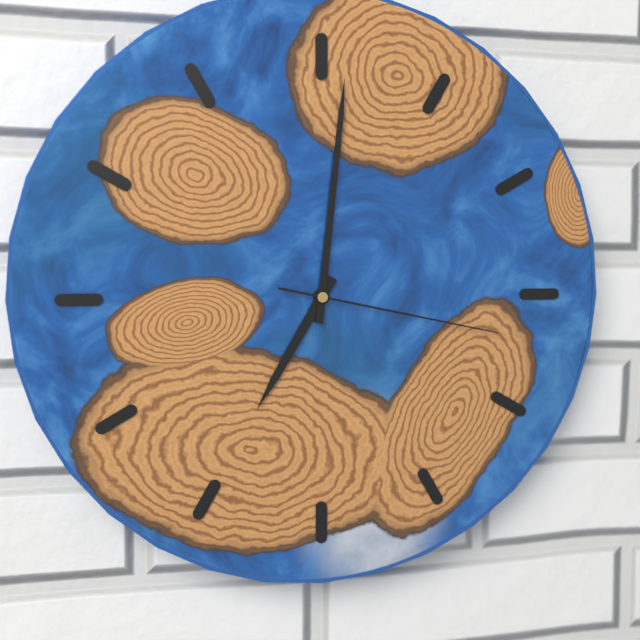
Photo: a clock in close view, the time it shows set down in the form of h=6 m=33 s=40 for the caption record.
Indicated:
h=7 m=1 s=17
